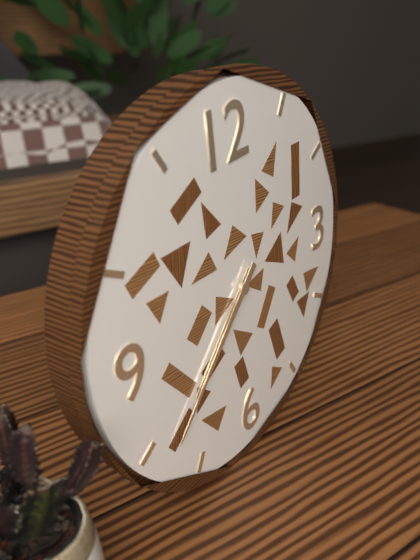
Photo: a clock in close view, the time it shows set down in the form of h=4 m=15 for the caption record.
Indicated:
h=7 m=38
